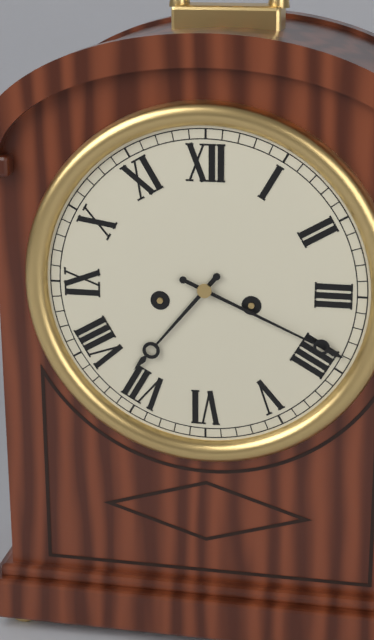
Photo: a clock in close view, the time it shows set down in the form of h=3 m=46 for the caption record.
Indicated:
h=7 m=19
